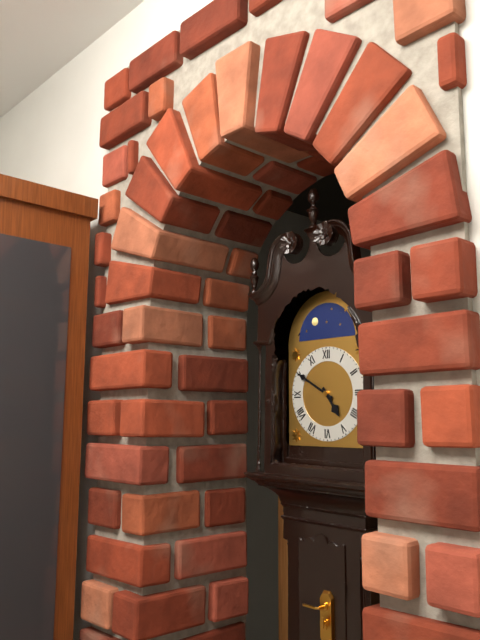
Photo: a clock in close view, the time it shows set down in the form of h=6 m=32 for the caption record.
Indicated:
h=4 m=50
